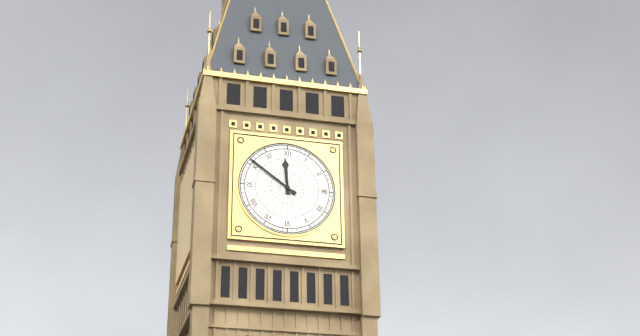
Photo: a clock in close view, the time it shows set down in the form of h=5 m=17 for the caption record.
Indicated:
h=11 m=51
